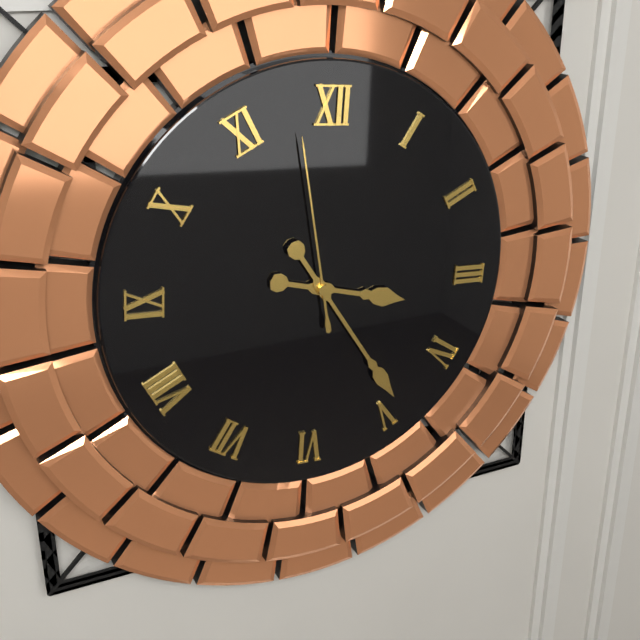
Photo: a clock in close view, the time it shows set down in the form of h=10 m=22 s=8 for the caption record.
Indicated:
h=3 m=24 s=58
